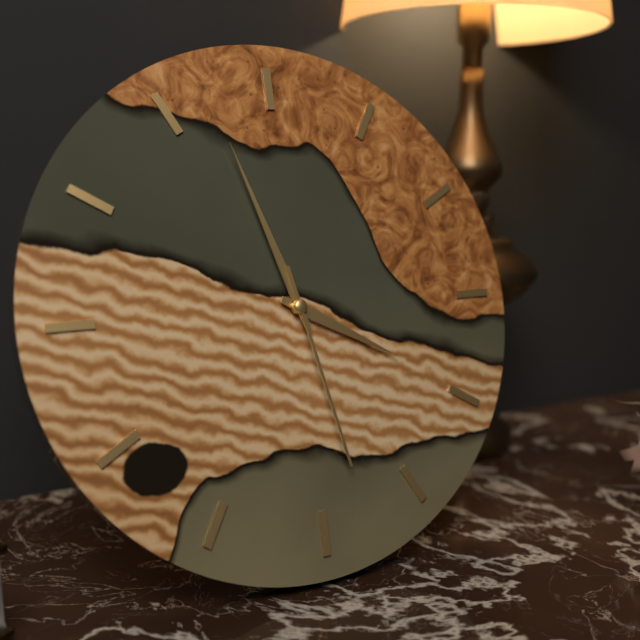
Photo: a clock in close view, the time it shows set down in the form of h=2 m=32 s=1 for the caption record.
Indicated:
h=3 m=57 s=28
